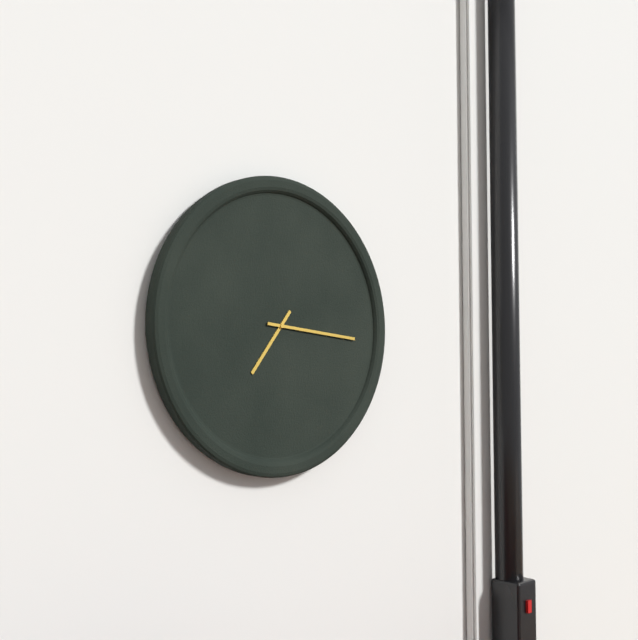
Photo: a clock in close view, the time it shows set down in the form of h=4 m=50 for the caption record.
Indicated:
h=7 m=16
